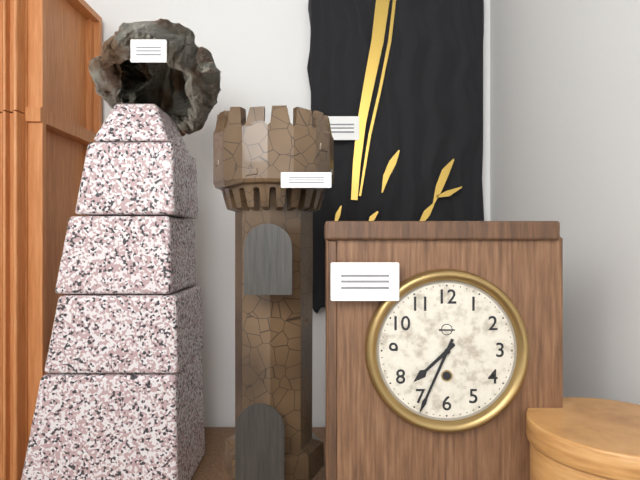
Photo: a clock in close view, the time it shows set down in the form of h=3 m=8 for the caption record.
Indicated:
h=7 m=34
